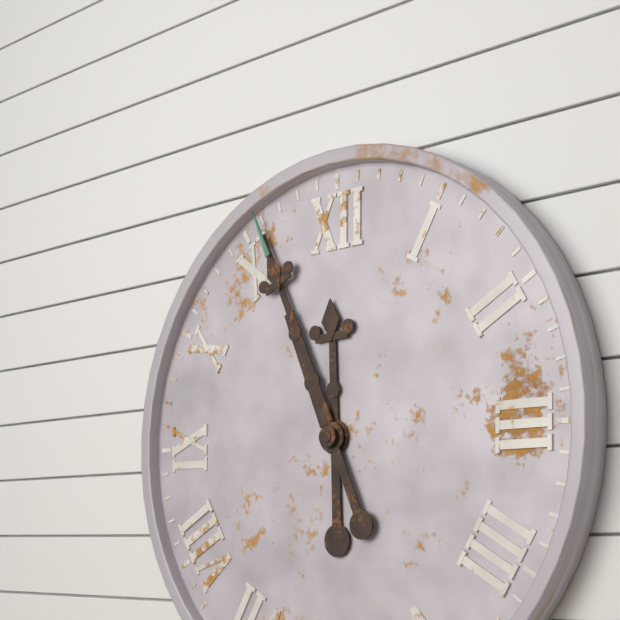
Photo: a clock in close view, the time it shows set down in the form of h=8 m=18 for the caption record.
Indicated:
h=11 m=56
